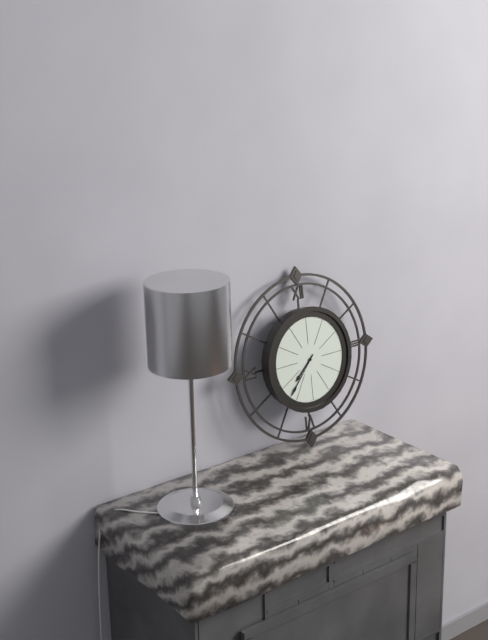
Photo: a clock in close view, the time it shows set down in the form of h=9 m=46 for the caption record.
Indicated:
h=7 m=37
